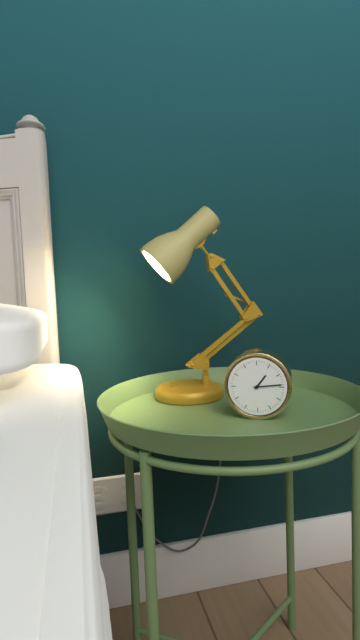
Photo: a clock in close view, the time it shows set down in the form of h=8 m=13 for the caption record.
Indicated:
h=1 m=14
